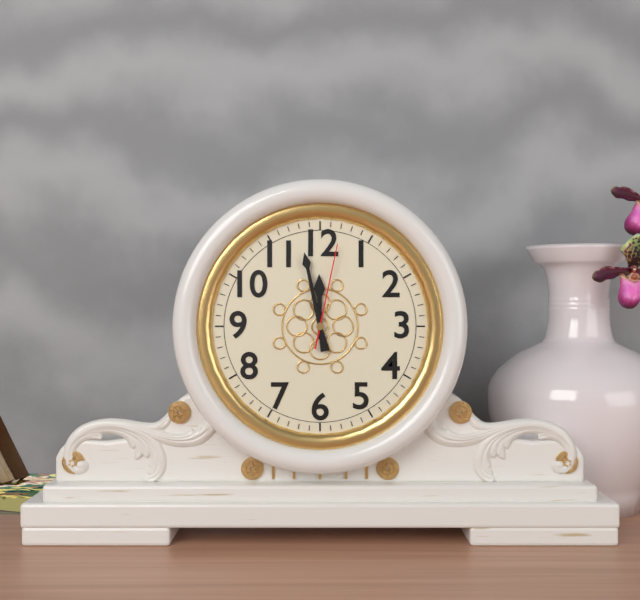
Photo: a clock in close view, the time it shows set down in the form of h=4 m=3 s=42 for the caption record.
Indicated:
h=11 m=58 s=2
